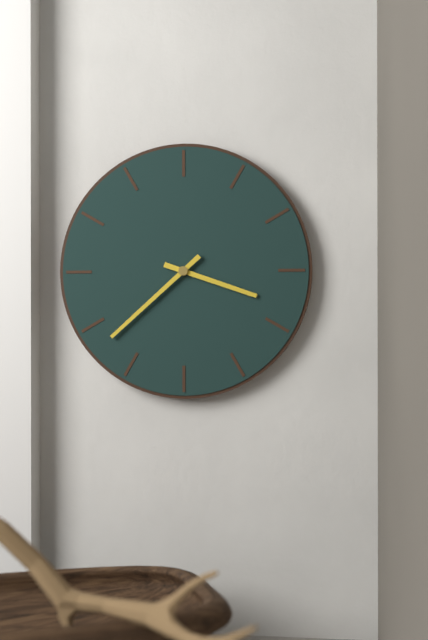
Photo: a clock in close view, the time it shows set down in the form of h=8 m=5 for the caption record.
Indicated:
h=3 m=38
